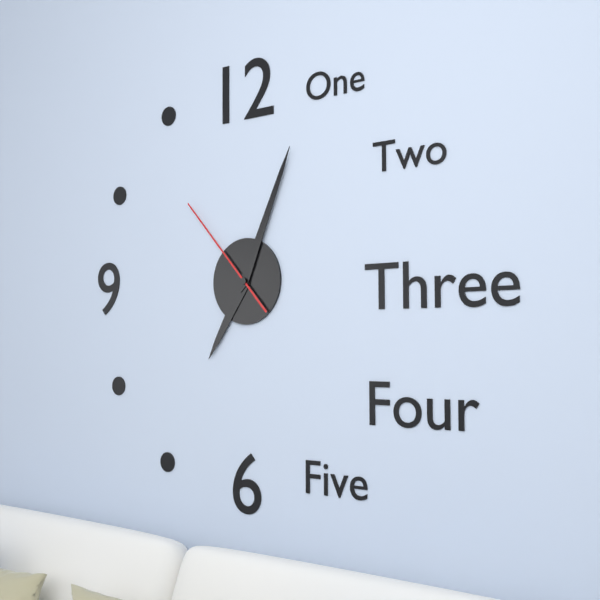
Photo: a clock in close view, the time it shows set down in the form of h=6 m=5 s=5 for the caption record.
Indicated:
h=7 m=4 s=53
